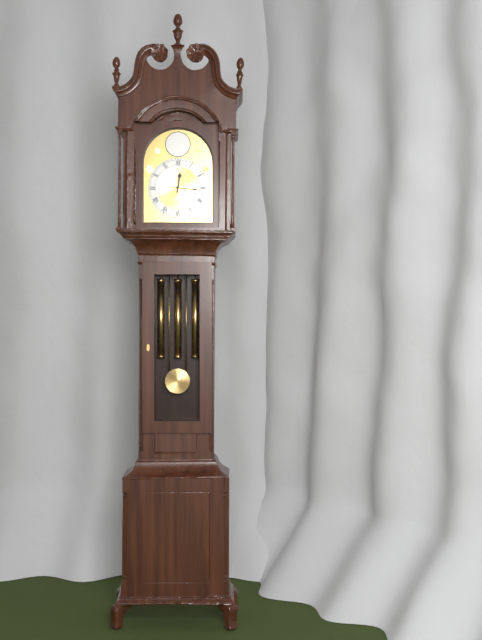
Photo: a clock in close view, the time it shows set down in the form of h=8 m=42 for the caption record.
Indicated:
h=12 m=16
